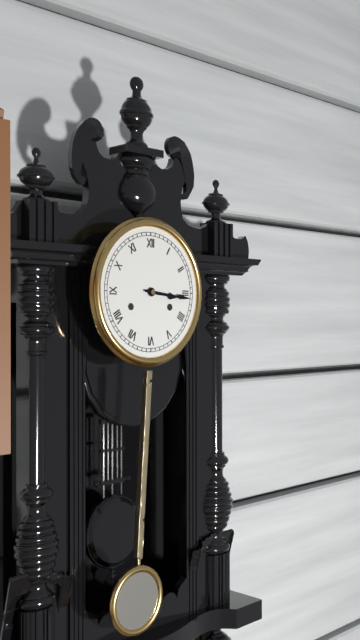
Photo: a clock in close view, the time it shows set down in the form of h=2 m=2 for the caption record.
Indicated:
h=3 m=16
